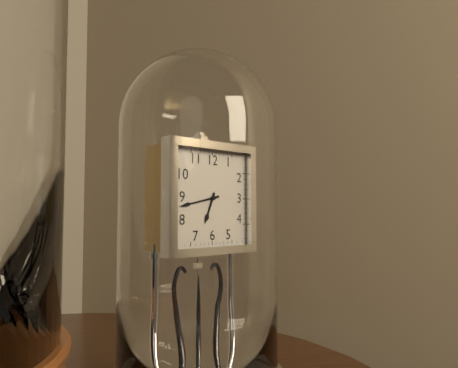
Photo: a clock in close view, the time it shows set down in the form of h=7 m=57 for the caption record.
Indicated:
h=6 m=43
